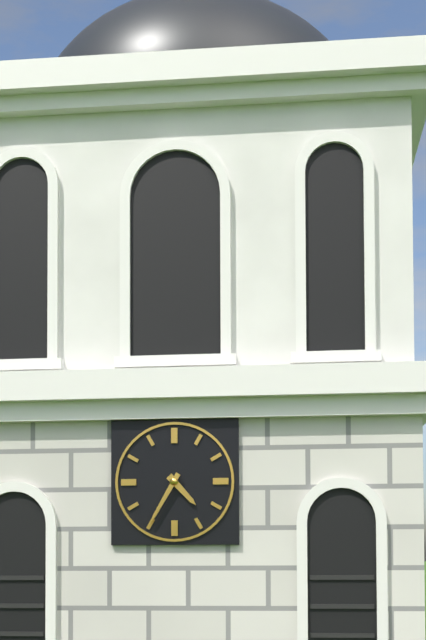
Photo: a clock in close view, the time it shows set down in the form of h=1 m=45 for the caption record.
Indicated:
h=4 m=35
